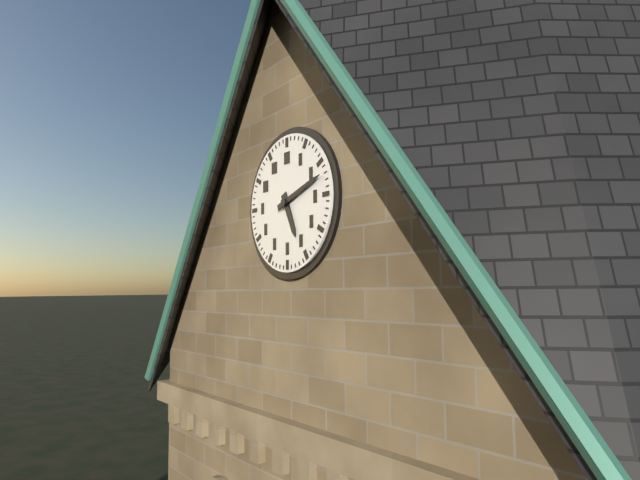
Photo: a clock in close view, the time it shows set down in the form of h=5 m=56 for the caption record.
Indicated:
h=5 m=12
